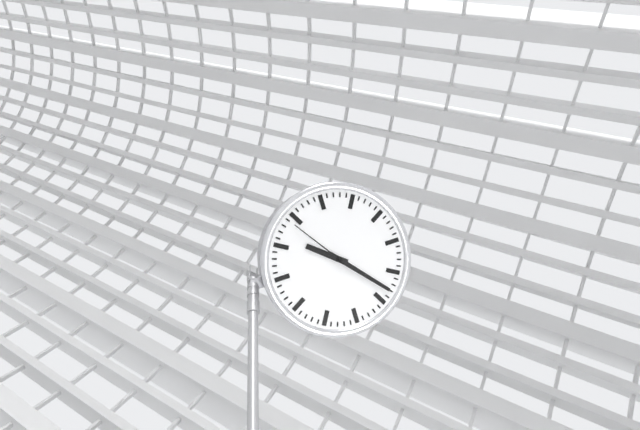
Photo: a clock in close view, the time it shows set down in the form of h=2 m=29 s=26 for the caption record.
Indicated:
h=9 m=18 s=49
